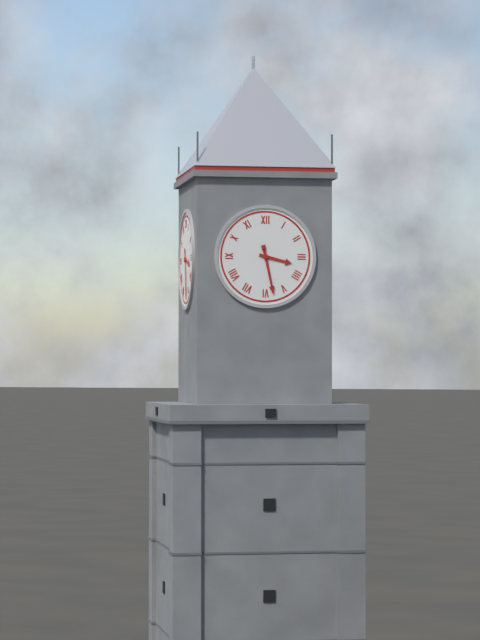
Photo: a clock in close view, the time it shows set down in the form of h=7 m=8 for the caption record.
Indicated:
h=3 m=28
